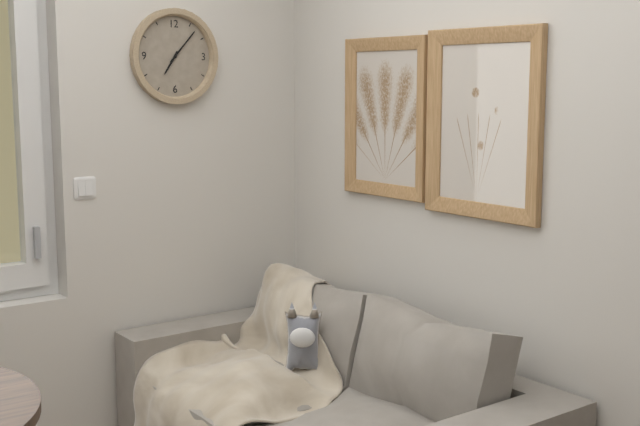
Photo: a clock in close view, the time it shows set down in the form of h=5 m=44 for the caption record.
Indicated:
h=7 m=7
